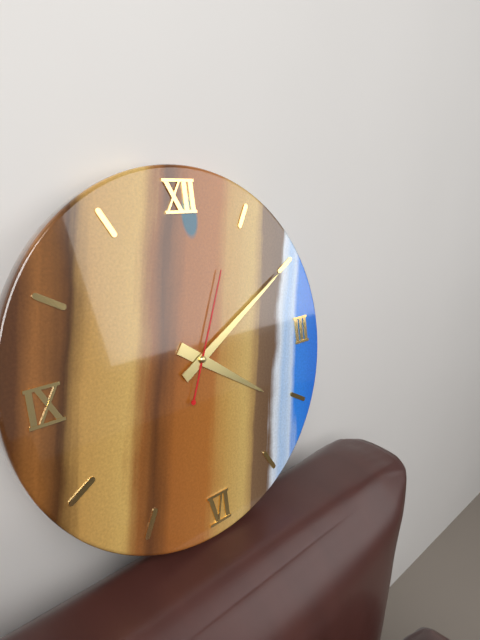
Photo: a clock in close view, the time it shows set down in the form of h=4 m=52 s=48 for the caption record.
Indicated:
h=4 m=10 s=4
